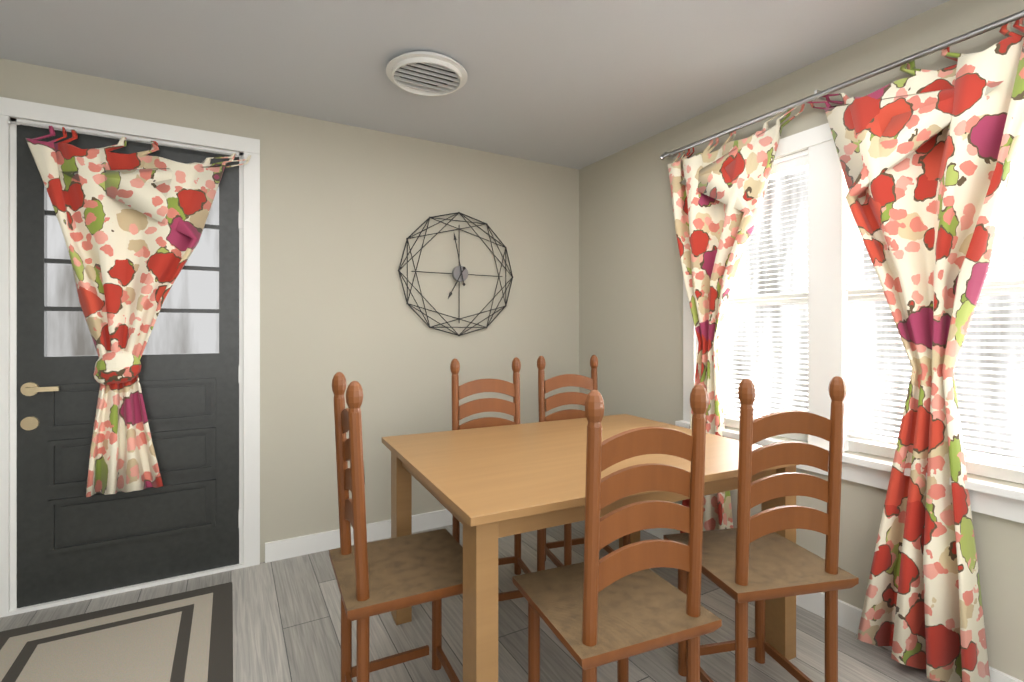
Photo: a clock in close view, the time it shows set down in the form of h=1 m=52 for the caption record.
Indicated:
h=6 m=58
